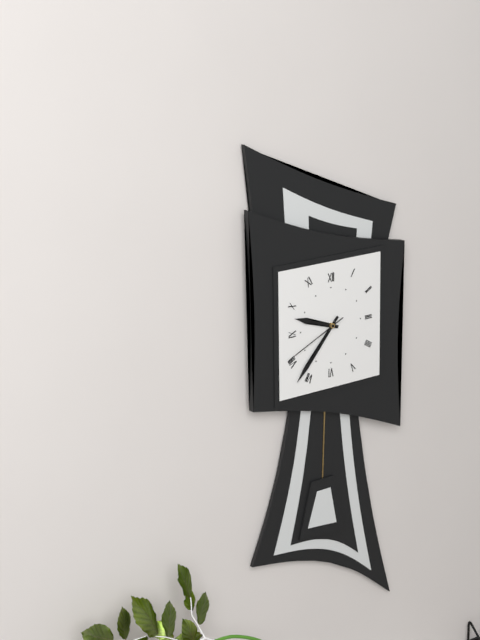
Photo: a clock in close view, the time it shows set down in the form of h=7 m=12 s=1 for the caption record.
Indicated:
h=9 m=37 s=41
